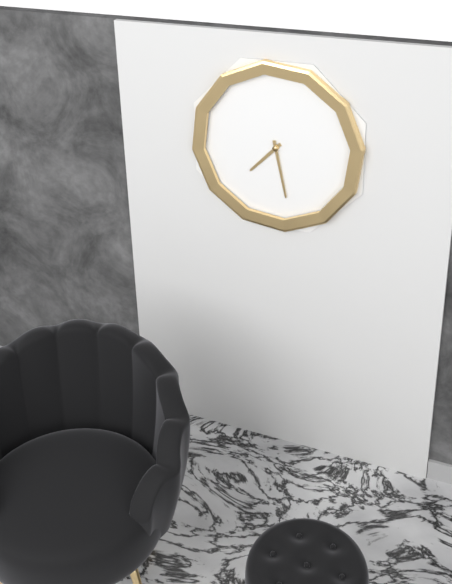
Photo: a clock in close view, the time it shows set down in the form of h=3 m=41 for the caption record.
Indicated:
h=7 m=28
